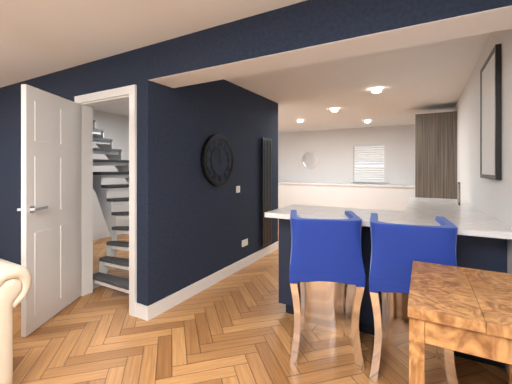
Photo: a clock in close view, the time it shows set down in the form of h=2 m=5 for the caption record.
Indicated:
h=11 m=52
